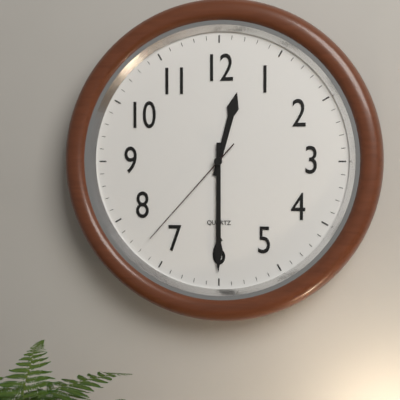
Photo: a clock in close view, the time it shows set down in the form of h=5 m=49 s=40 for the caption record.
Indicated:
h=12 m=30 s=37
